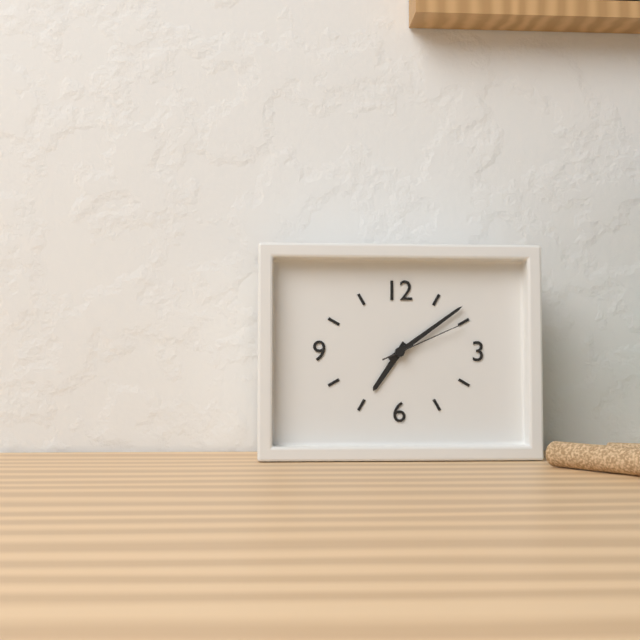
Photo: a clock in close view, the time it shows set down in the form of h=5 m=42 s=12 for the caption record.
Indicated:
h=7 m=9 s=11
